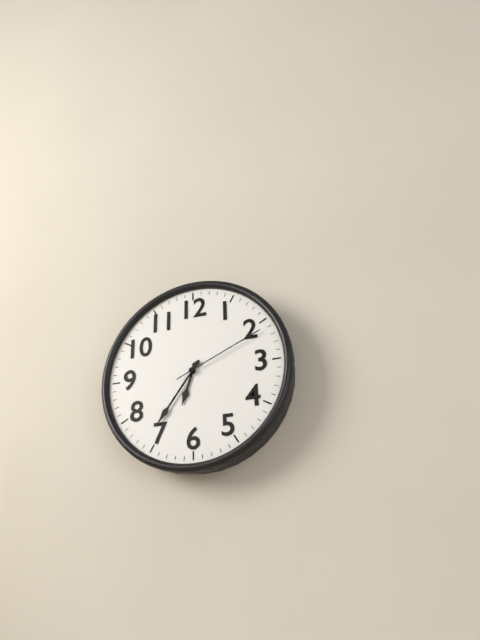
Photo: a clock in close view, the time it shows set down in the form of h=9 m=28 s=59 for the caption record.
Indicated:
h=6 m=36 s=11
